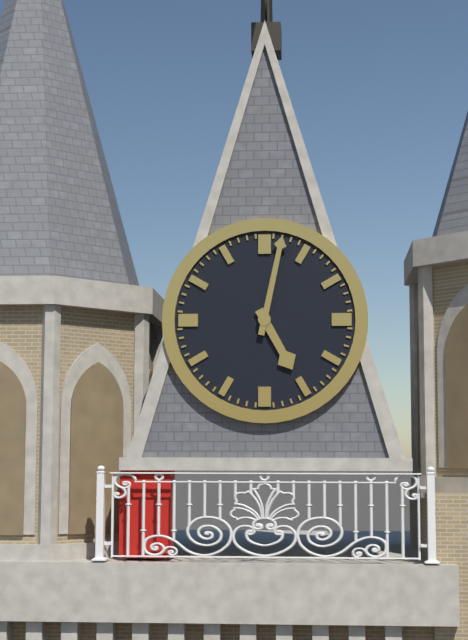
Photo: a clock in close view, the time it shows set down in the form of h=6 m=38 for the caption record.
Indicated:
h=5 m=2
